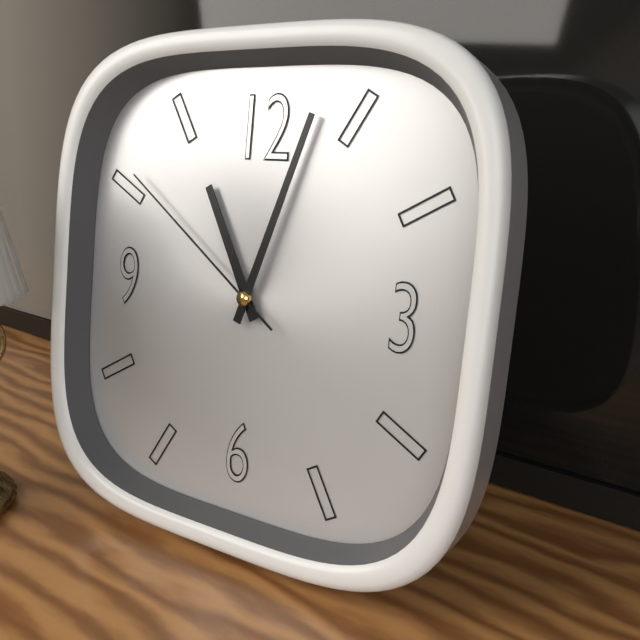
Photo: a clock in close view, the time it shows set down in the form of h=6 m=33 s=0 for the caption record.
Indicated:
h=11 m=3 s=51
